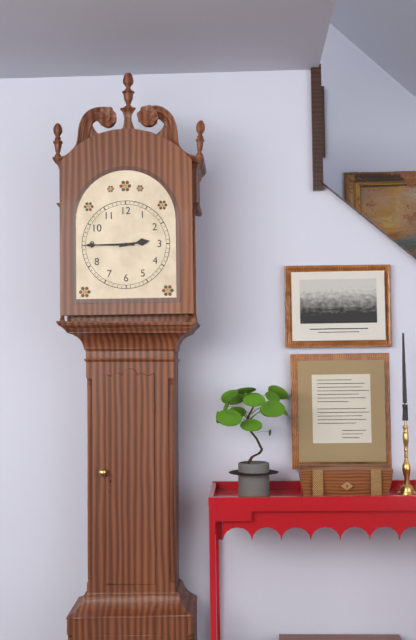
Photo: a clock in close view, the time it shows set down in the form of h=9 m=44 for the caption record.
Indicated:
h=2 m=45
